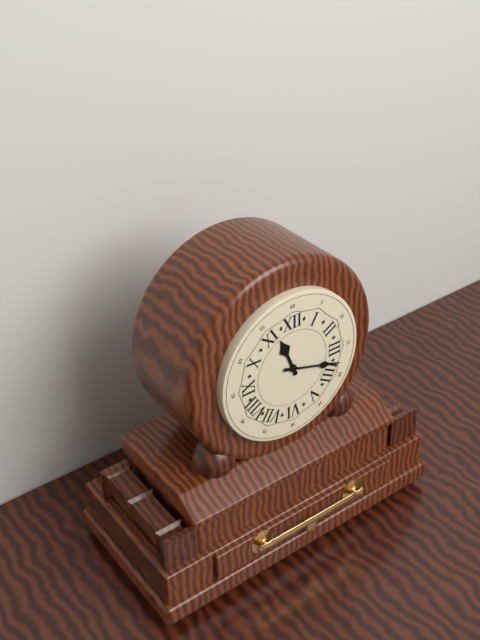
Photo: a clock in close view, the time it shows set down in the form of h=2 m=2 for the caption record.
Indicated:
h=11 m=18
